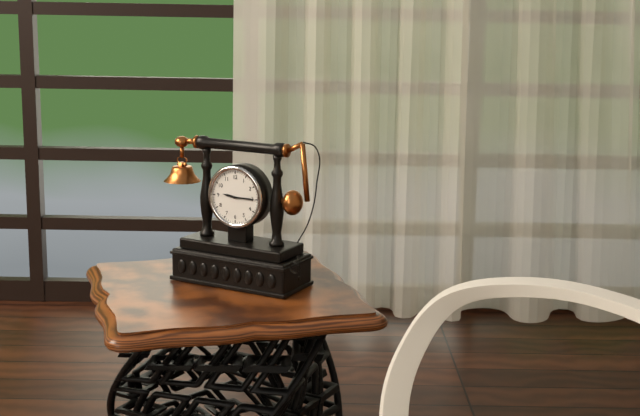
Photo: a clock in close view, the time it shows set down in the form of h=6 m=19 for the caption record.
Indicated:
h=9 m=15
